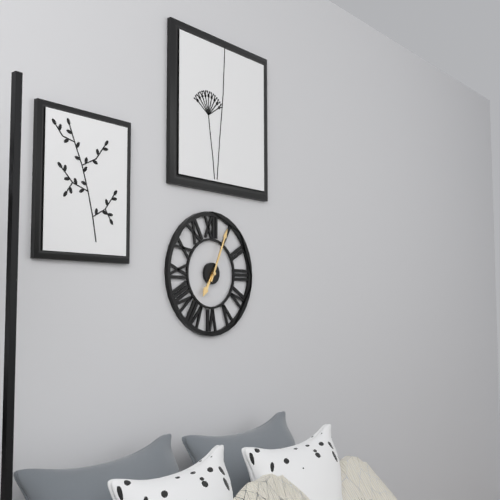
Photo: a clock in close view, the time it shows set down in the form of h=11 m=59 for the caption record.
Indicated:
h=7 m=4
